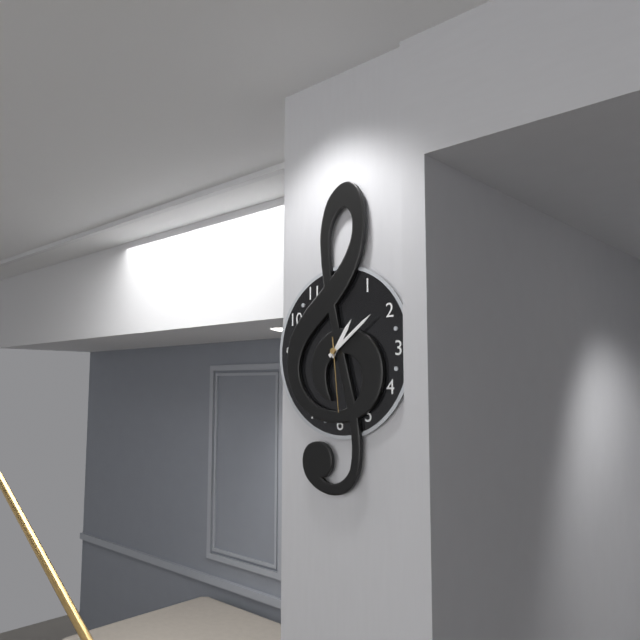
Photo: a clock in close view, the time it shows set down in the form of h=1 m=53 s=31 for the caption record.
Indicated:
h=1 m=9 s=29
